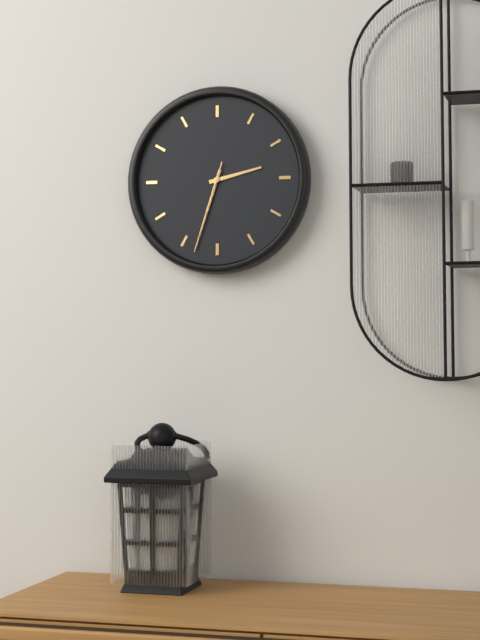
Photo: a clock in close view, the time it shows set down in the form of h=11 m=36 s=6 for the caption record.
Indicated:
h=2 m=33 s=33
